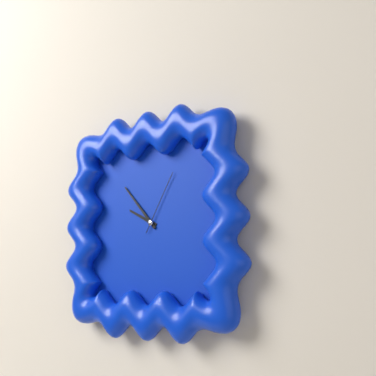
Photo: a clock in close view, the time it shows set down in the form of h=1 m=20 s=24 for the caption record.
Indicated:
h=9 m=53 s=5
